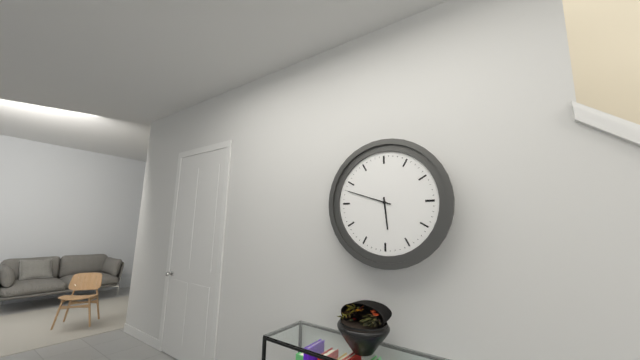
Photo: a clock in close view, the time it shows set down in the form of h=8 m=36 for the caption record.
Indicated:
h=5 m=48
